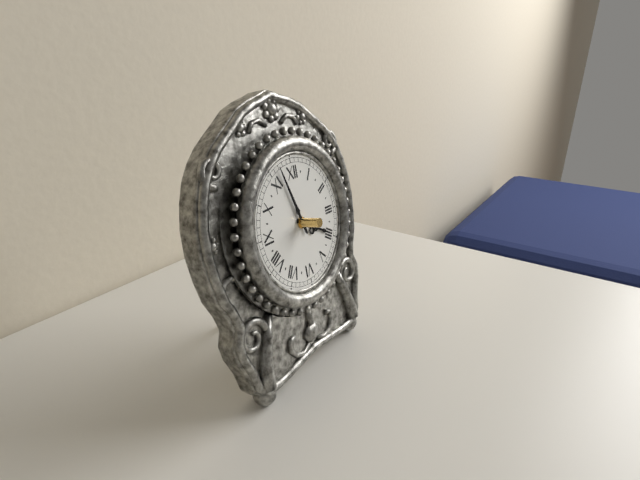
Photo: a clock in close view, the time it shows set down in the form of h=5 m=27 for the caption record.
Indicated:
h=3 m=57
